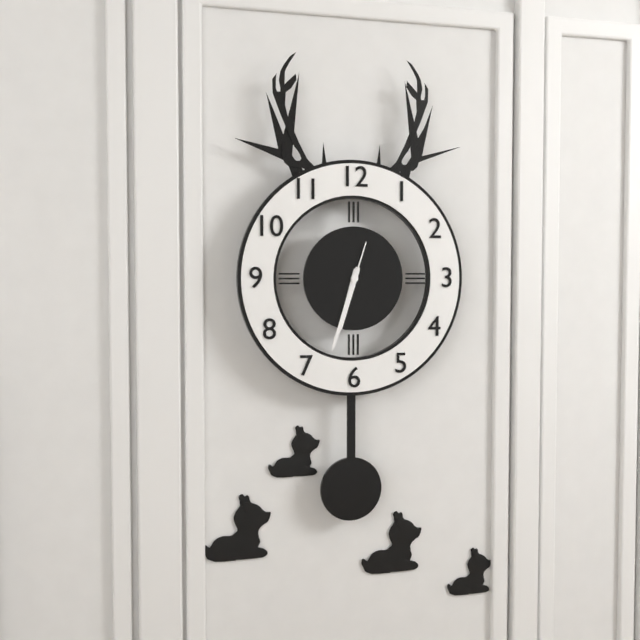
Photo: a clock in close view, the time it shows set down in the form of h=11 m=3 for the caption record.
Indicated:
h=6 m=33
